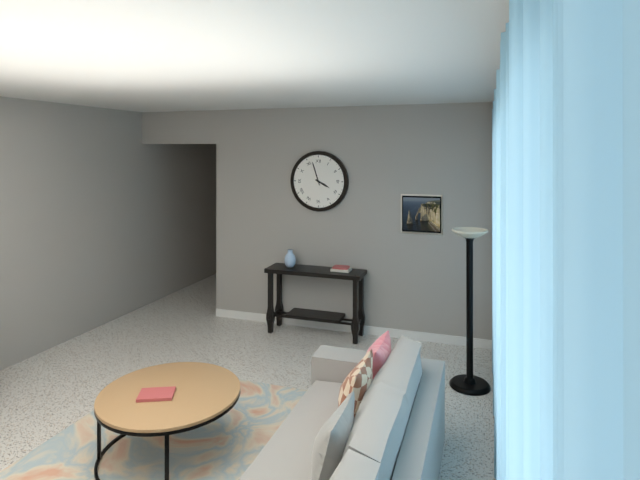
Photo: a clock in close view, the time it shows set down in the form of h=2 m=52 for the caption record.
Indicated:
h=3 m=57
